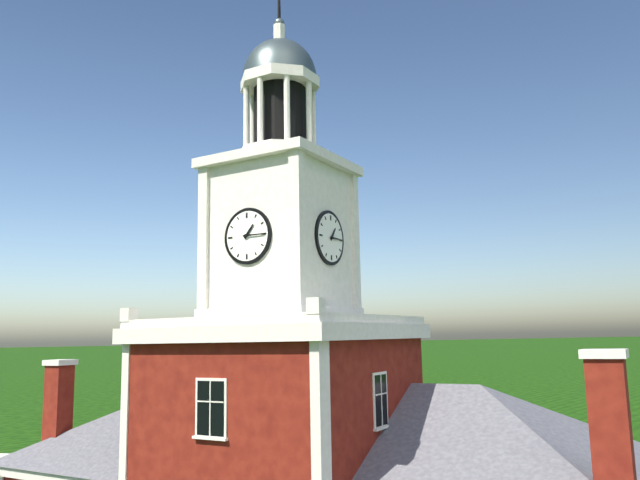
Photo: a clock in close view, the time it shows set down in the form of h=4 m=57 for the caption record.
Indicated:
h=1 m=15
